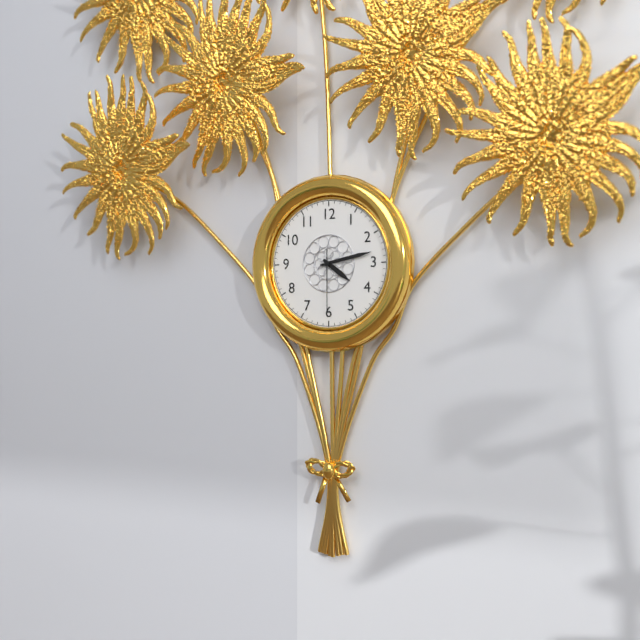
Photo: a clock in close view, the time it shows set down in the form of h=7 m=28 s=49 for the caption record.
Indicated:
h=4 m=13 s=30
